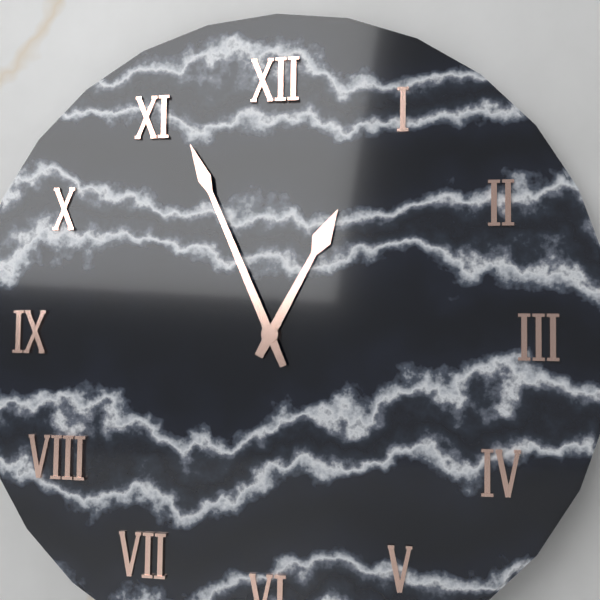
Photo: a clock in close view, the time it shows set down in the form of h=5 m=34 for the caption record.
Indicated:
h=12 m=56
